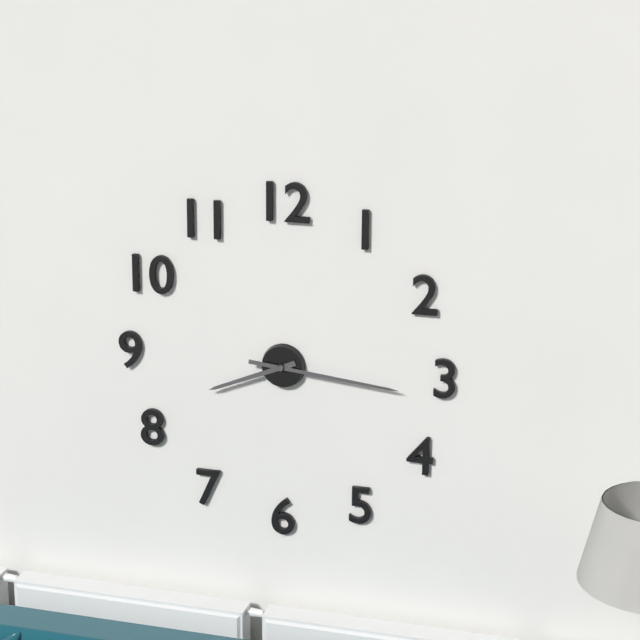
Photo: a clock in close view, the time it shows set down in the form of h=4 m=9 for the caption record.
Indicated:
h=8 m=16
